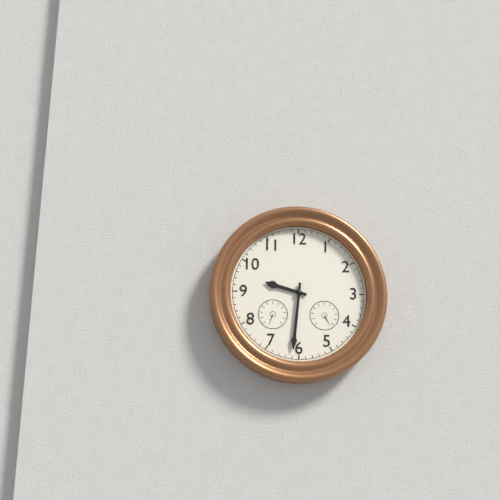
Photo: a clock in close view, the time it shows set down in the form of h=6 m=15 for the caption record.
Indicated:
h=9 m=31
